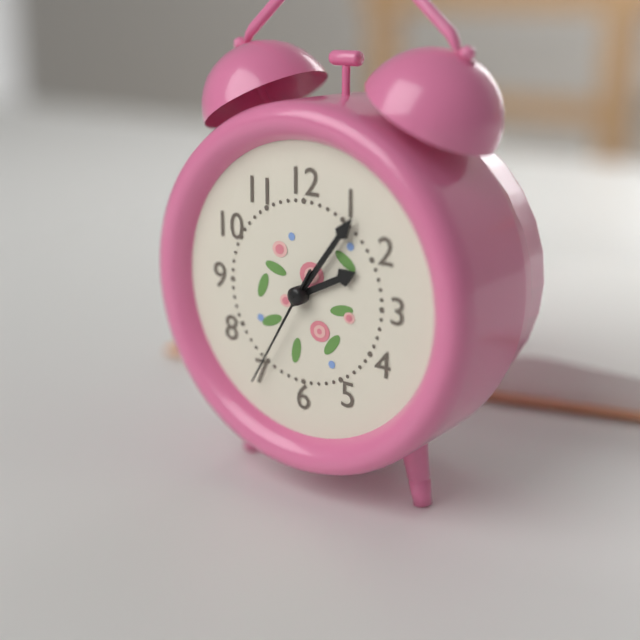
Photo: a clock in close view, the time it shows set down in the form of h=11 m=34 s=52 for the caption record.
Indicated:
h=2 m=6 s=35
